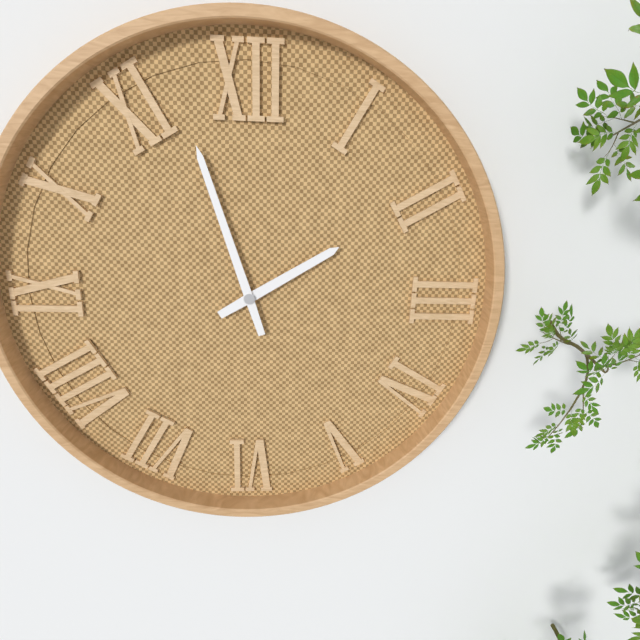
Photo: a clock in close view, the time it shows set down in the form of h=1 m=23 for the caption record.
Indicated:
h=1 m=57
